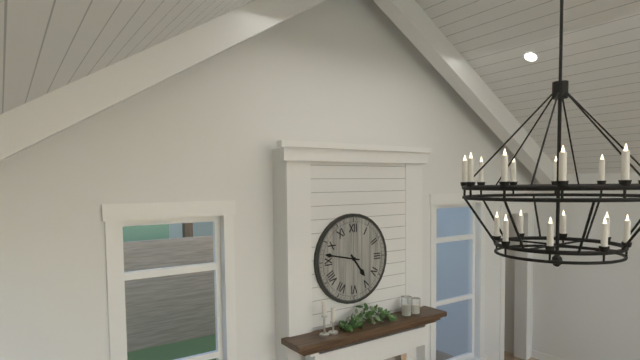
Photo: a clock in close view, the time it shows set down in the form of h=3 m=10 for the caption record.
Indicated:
h=4 m=47
